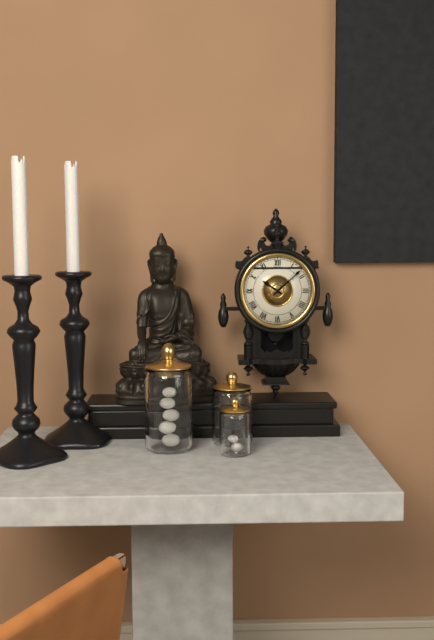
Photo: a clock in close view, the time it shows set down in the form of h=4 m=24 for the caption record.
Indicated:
h=10 m=8
